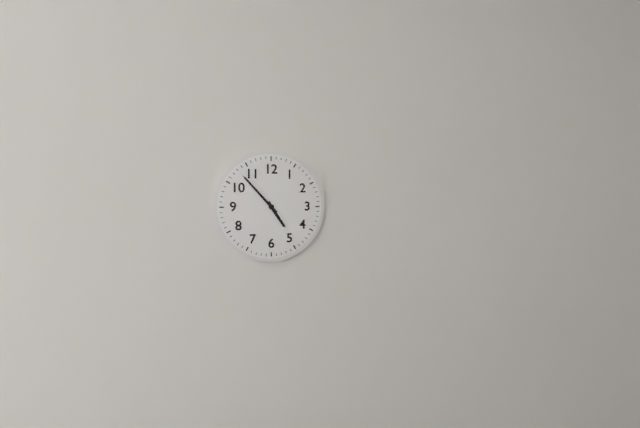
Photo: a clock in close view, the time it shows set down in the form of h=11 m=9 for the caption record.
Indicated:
h=4 m=53
